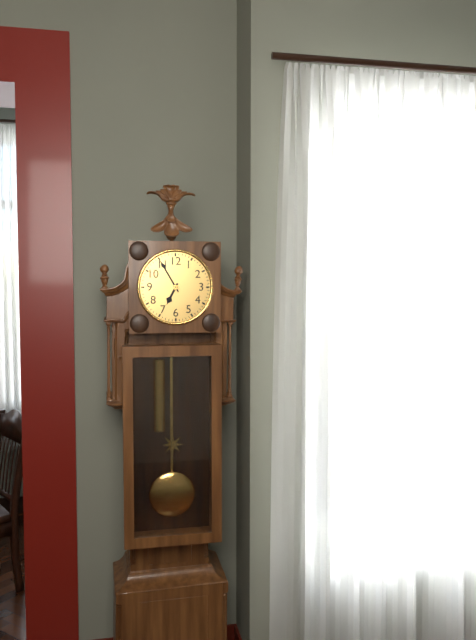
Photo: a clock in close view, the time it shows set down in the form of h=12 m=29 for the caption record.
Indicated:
h=6 m=55
